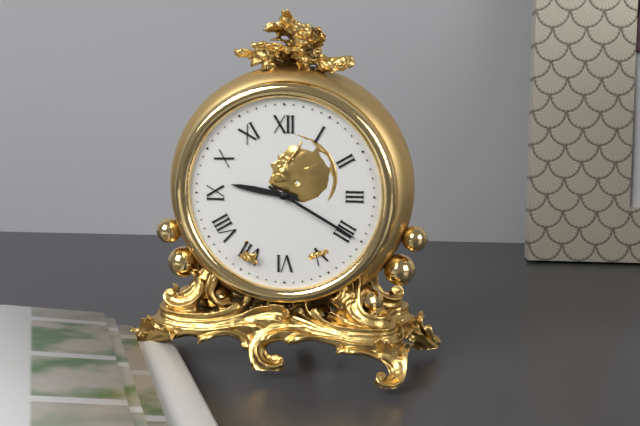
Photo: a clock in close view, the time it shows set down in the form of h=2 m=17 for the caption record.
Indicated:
h=9 m=20
